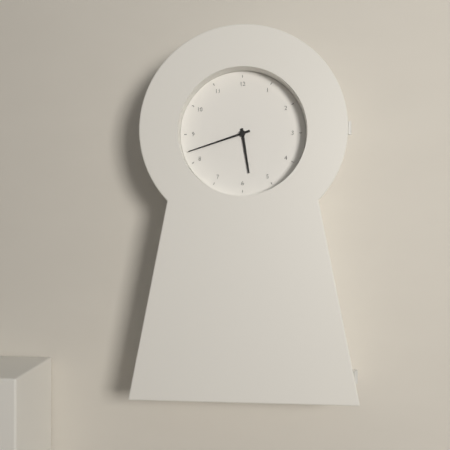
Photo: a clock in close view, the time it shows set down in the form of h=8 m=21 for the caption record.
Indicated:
h=5 m=42
